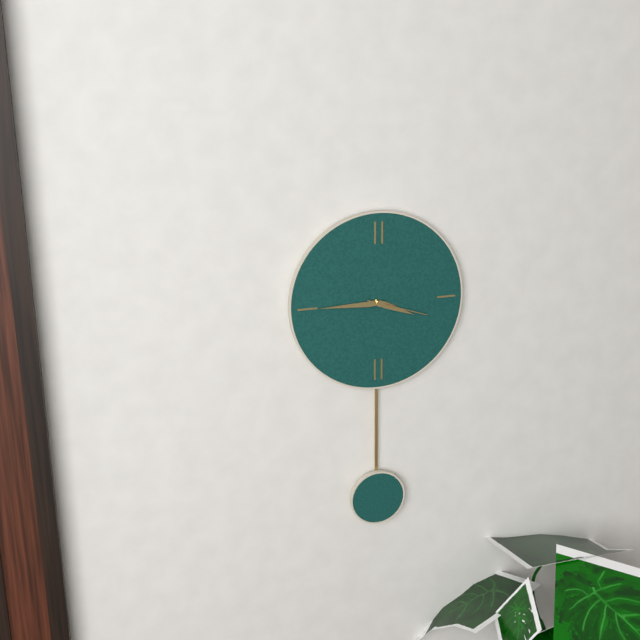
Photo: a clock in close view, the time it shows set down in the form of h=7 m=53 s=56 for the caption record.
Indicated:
h=3 m=45 s=18
